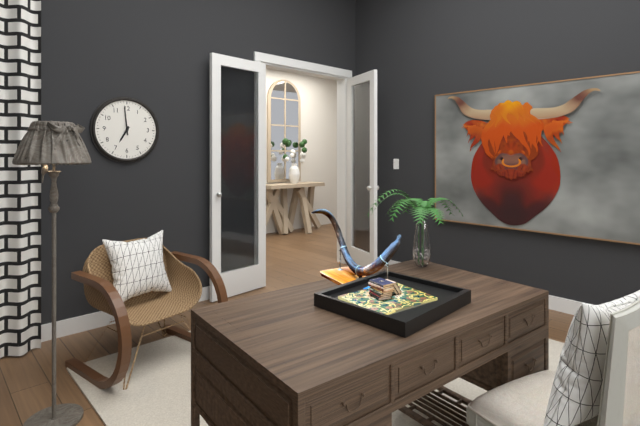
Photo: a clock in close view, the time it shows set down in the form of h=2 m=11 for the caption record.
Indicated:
h=6 m=59
